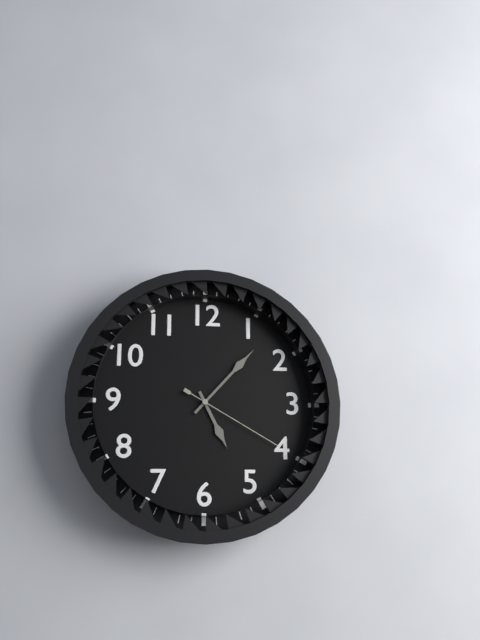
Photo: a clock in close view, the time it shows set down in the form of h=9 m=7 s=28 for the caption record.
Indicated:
h=5 m=7 s=20
